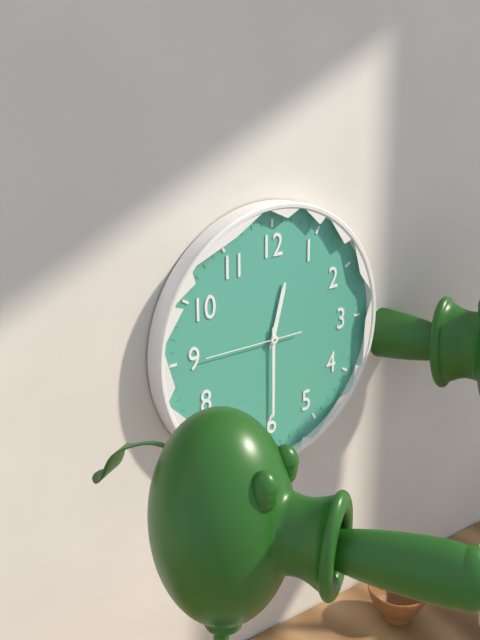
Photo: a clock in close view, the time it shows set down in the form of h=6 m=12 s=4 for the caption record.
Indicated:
h=12 m=30 s=45
